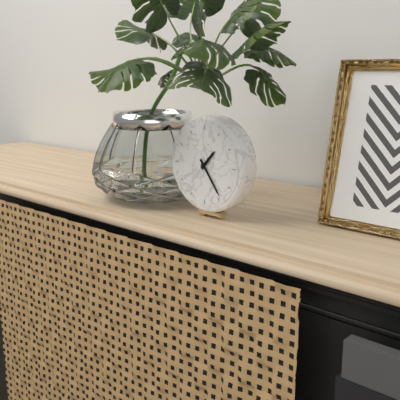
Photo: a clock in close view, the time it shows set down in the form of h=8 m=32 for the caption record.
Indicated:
h=1 m=24
